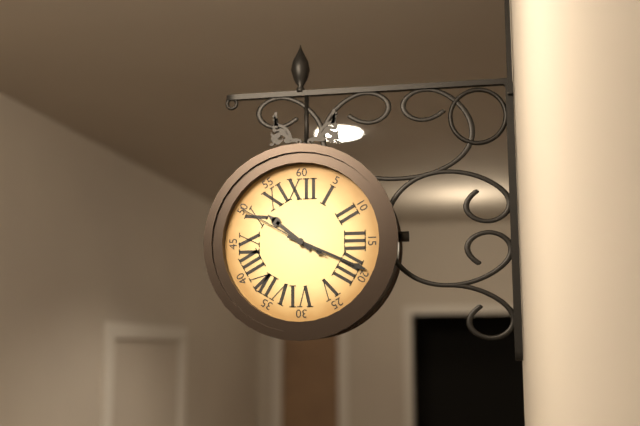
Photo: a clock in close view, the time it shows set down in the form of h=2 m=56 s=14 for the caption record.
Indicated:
h=10 m=19 s=50
